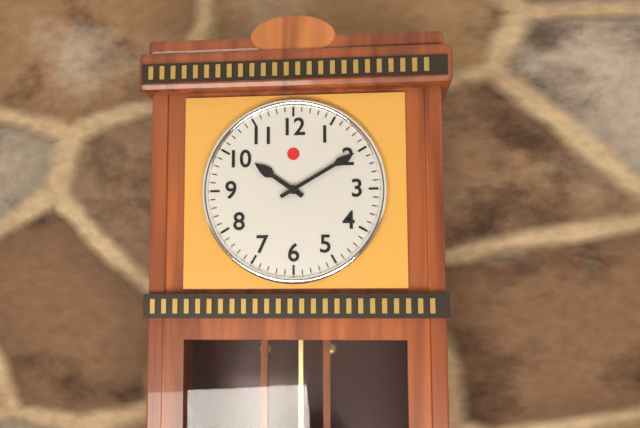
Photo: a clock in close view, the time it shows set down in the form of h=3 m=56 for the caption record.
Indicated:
h=10 m=10
